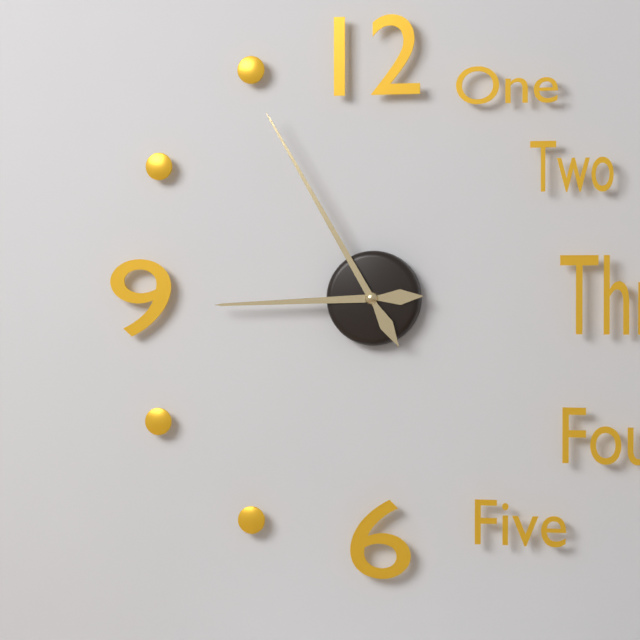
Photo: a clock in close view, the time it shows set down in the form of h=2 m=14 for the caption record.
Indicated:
h=8 m=55
